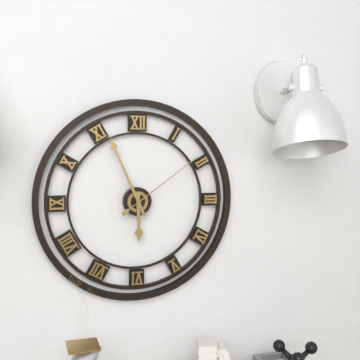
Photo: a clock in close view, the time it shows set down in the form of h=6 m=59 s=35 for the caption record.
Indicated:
h=5 m=56 s=9
